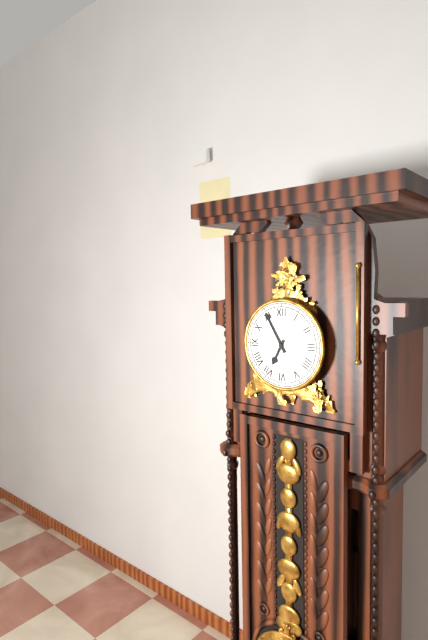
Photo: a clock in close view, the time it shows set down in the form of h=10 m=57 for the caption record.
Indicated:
h=6 m=55
